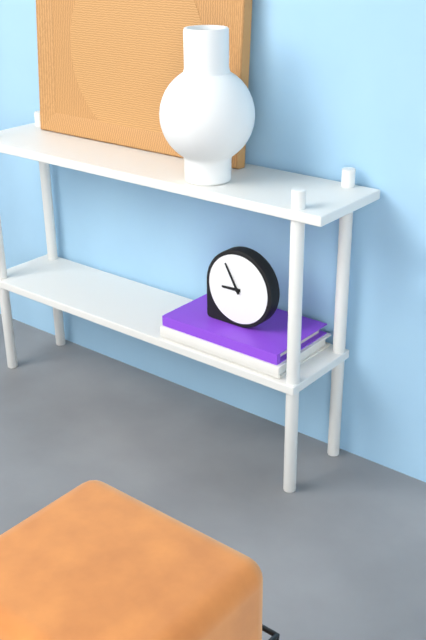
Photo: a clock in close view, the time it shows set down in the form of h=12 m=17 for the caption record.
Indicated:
h=8 m=55
